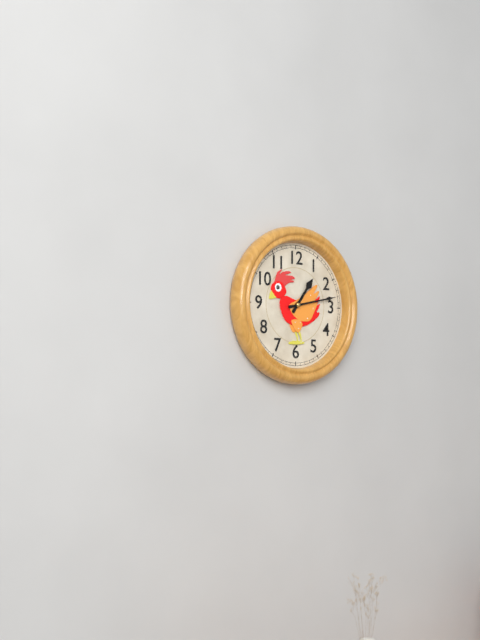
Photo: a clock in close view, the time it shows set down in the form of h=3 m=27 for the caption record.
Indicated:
h=1 m=13
